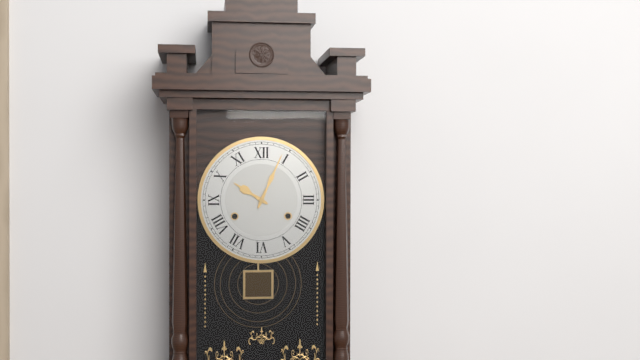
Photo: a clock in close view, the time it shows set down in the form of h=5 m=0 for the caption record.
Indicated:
h=10 m=4
